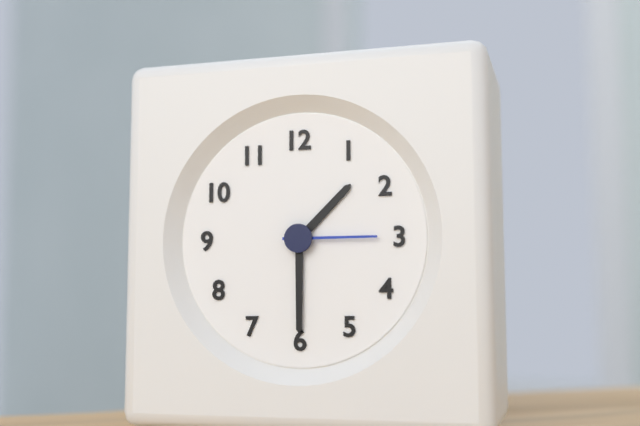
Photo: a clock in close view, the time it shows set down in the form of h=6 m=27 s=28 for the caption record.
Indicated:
h=1 m=30 s=15
